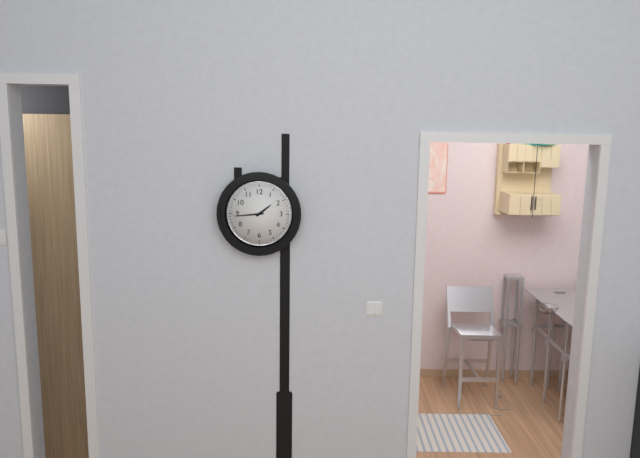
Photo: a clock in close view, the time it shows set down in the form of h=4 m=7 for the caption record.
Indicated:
h=1 m=44
